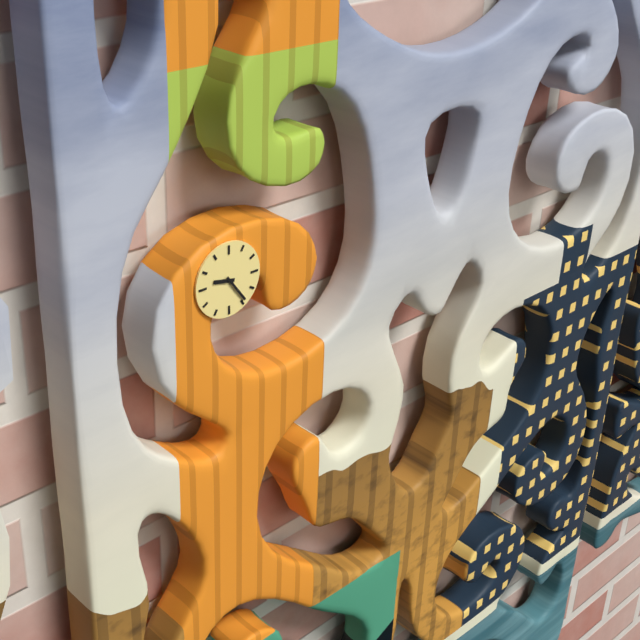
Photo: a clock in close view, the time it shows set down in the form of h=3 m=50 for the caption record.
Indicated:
h=9 m=24
